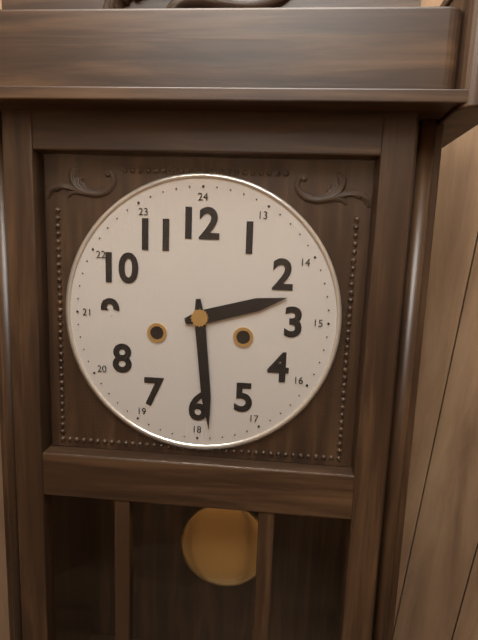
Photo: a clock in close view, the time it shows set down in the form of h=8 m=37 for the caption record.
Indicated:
h=2 m=29
